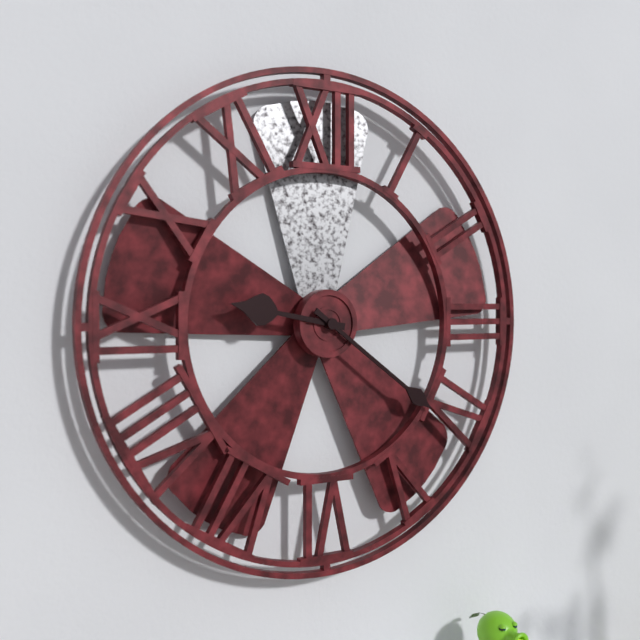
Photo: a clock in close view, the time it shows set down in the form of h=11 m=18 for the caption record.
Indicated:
h=9 m=21
